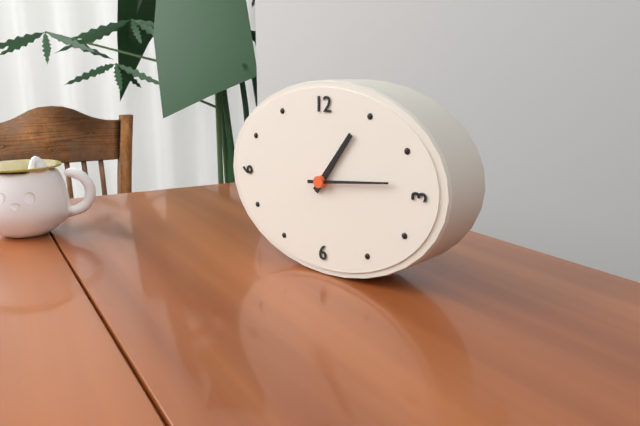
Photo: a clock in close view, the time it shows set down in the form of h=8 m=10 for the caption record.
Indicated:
h=1 m=14
